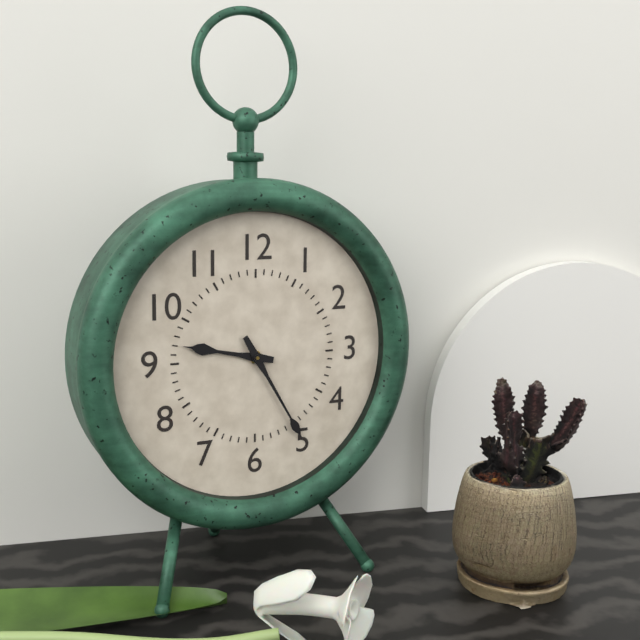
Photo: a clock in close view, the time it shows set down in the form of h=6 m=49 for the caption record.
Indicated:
h=9 m=25
